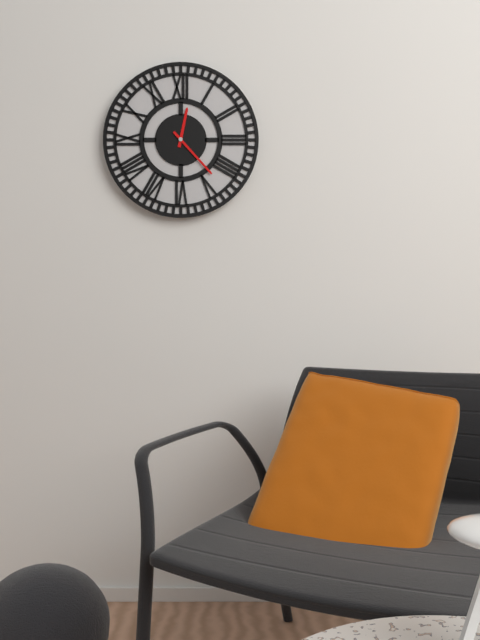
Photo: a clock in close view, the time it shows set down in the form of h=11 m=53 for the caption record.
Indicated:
h=12 m=23
